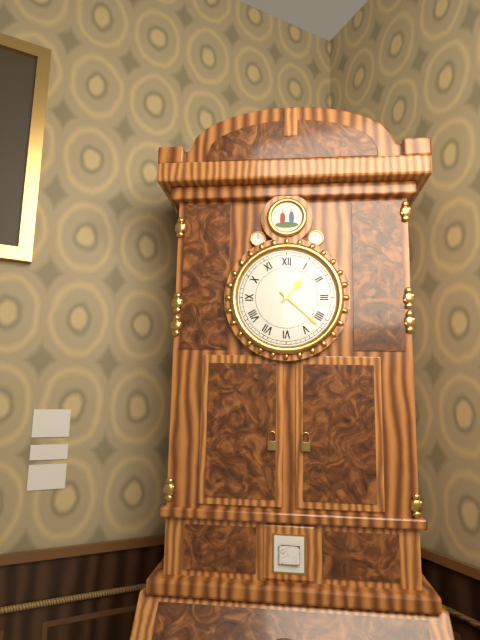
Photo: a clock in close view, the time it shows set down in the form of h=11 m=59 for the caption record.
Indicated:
h=1 m=22
